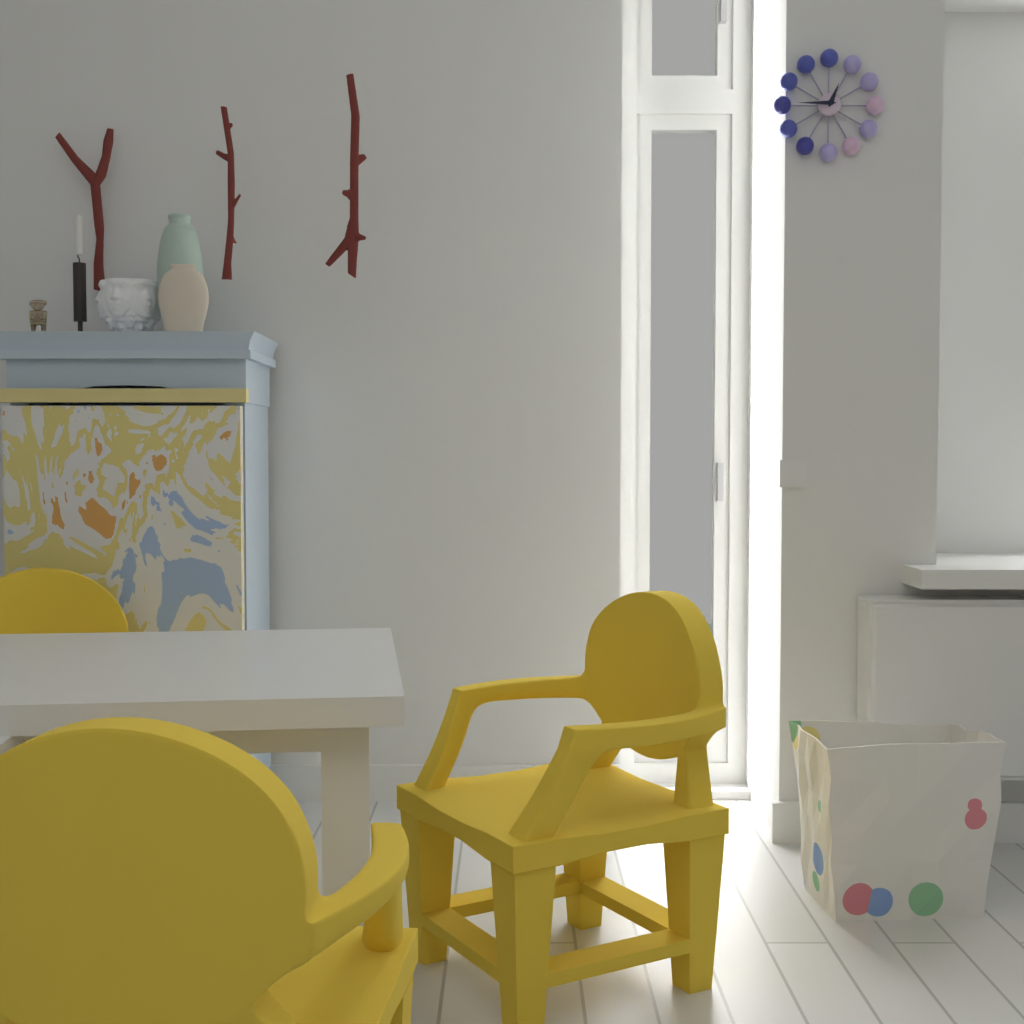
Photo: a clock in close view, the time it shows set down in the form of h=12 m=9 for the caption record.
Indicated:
h=12 m=45
